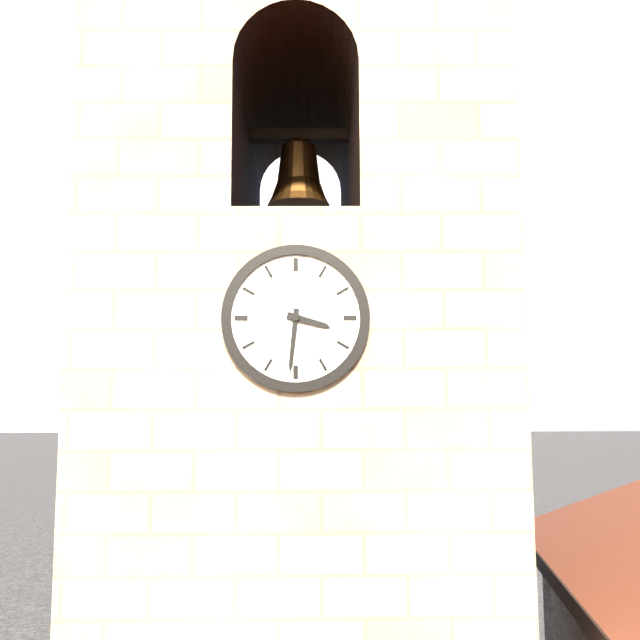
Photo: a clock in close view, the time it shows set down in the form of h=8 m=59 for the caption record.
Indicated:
h=3 m=31
